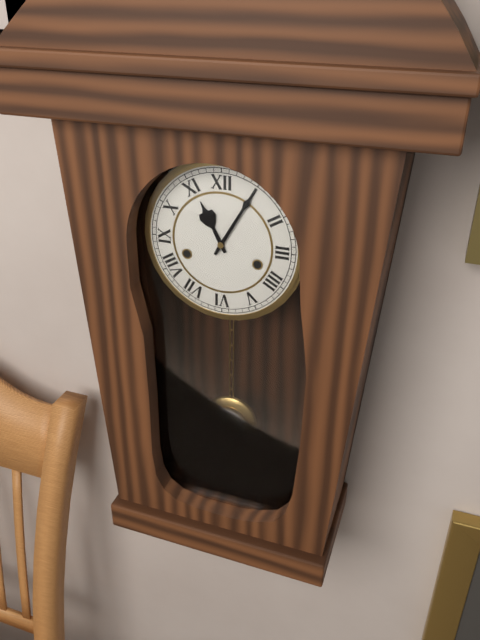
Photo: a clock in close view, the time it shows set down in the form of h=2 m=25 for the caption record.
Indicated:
h=11 m=5
